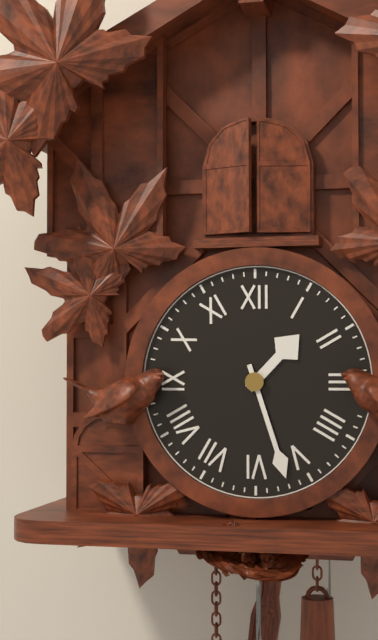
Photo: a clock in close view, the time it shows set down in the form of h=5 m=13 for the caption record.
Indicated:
h=1 m=27
